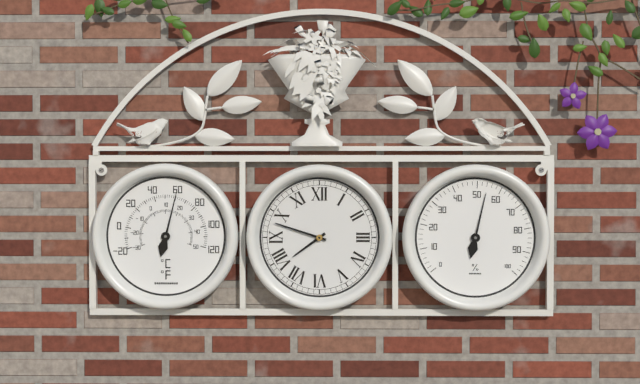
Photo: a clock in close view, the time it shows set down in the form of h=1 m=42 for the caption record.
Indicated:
h=7 m=48
